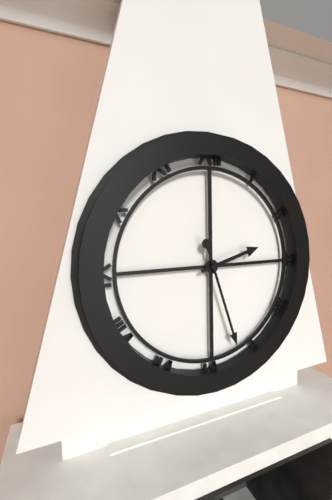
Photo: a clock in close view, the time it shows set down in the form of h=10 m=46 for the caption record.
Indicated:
h=2 m=27
